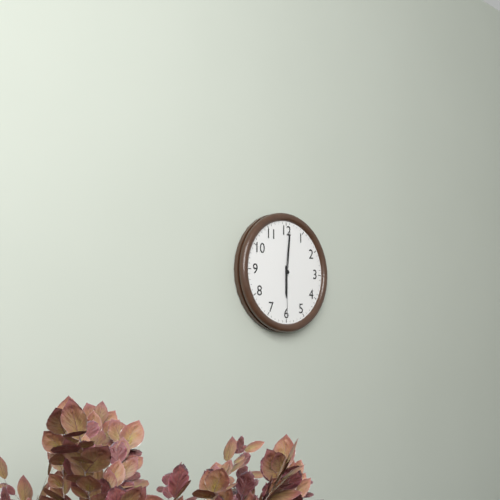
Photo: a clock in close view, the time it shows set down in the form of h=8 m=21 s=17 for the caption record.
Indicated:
h=6 m=1 s=30
